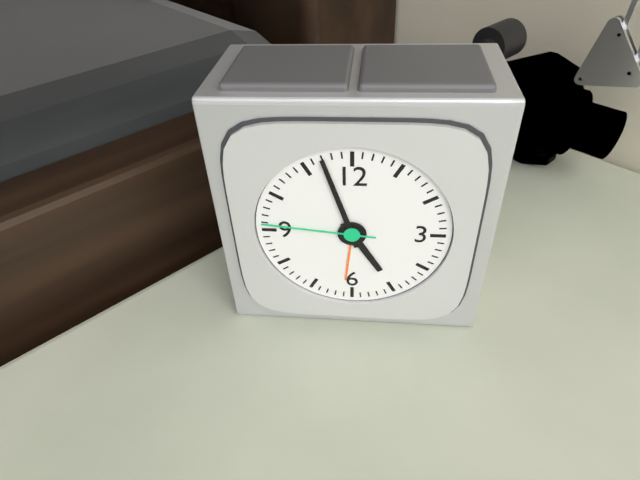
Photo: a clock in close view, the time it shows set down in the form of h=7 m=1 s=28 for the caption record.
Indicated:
h=4 m=57 s=46
